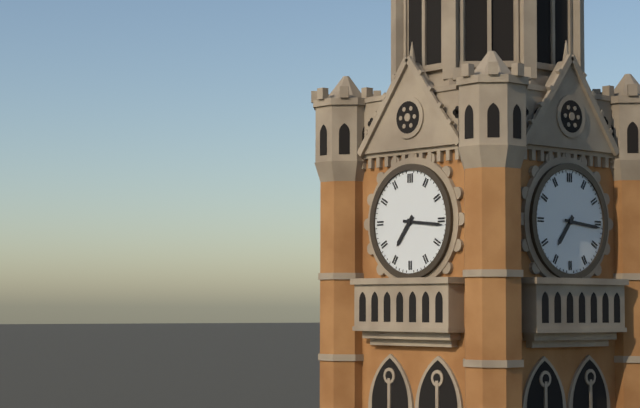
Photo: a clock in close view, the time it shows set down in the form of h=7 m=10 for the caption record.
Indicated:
h=7 m=16
